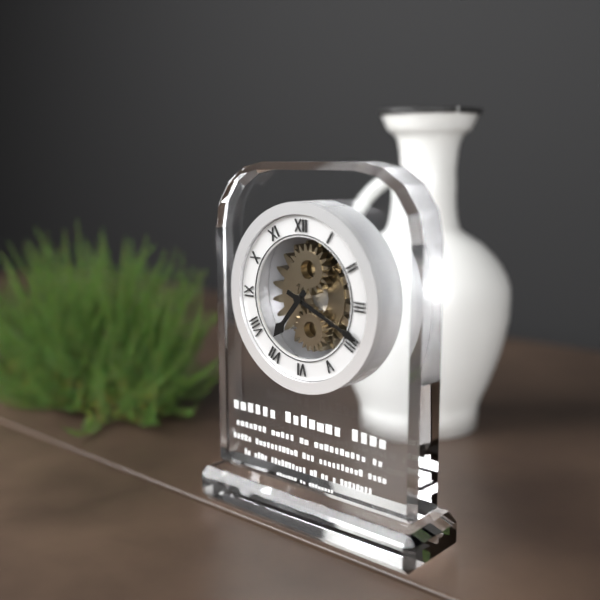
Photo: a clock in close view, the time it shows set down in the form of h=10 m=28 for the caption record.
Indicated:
h=7 m=19
